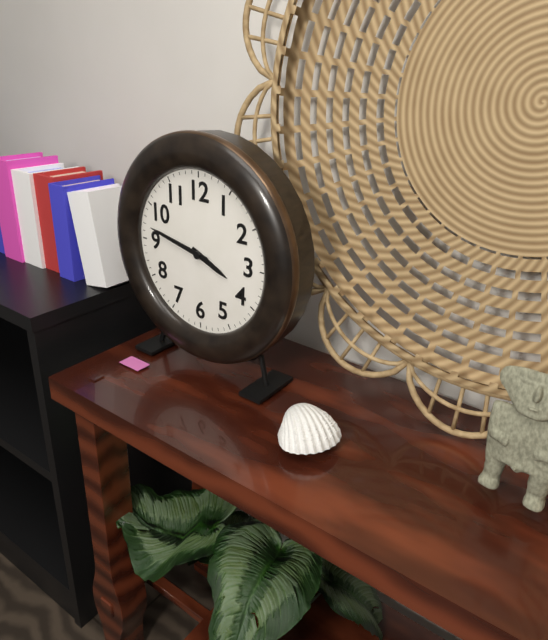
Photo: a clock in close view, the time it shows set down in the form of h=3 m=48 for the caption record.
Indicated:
h=3 m=47
